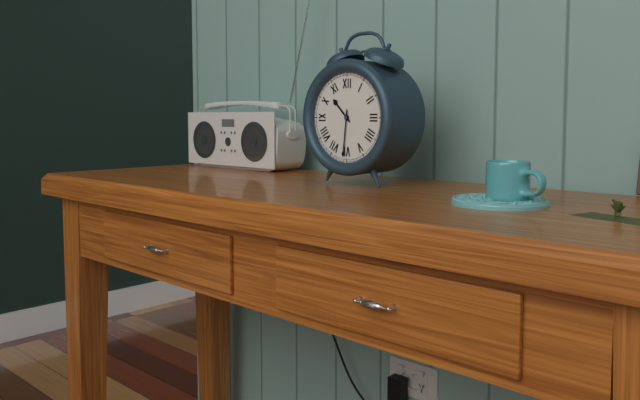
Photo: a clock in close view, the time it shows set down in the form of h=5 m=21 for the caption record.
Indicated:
h=10 m=31
